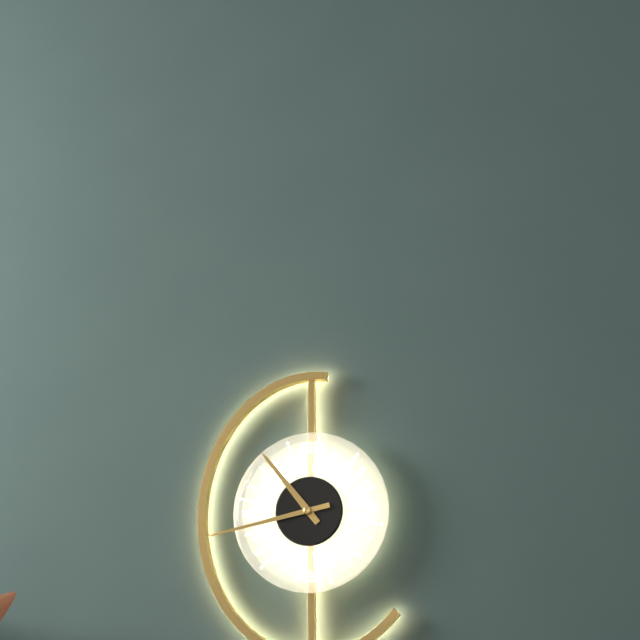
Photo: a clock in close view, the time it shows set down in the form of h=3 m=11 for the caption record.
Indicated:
h=10 m=43
